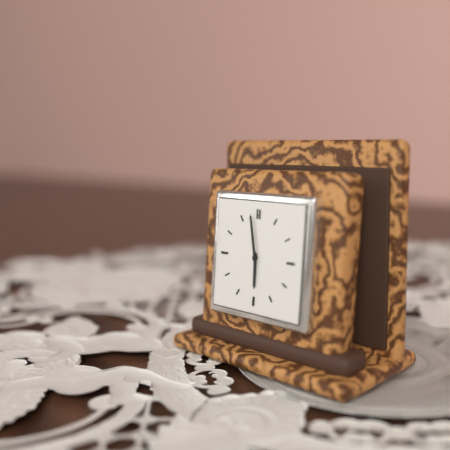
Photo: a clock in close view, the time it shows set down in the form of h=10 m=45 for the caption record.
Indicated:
h=5 m=58
